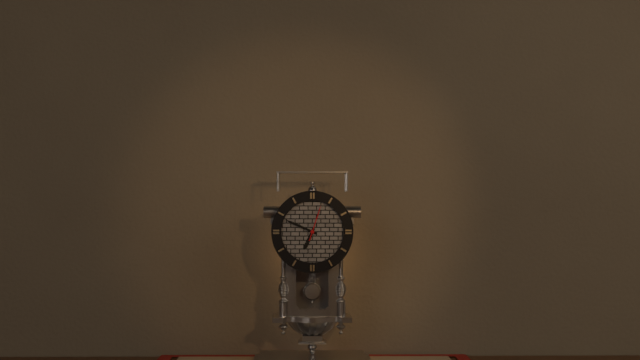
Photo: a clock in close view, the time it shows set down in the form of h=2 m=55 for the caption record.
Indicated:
h=6 m=49
